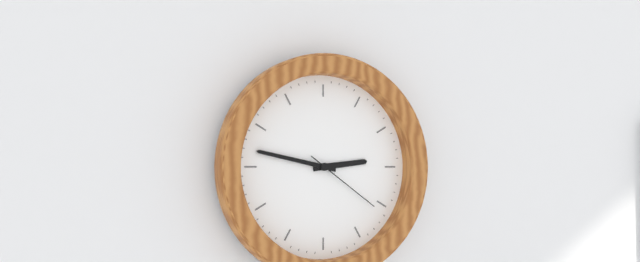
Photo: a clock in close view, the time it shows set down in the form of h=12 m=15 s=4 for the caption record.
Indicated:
h=2 m=47 s=21
